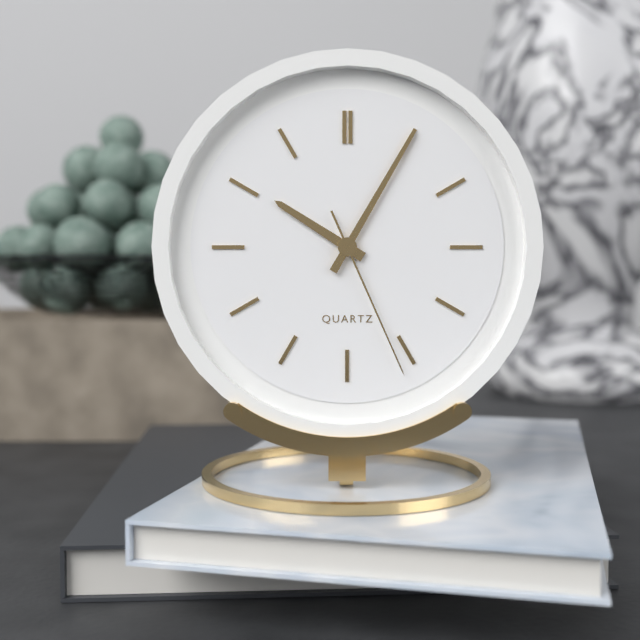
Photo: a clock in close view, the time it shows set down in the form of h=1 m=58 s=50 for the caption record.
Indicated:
h=10 m=5 s=26
